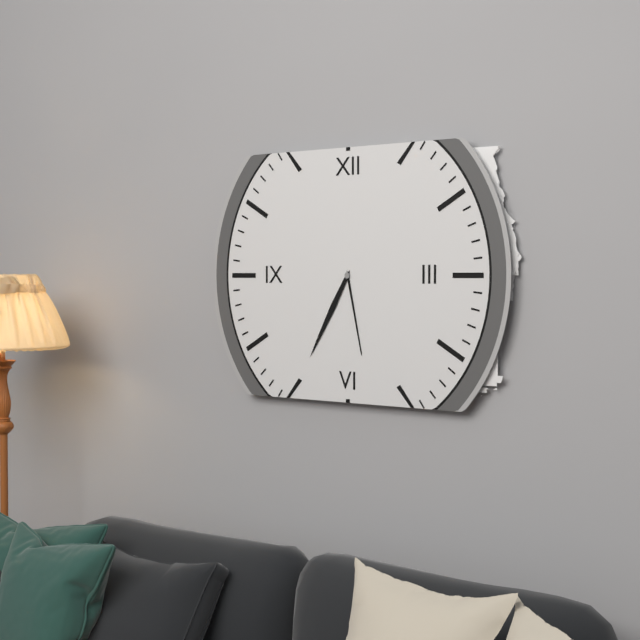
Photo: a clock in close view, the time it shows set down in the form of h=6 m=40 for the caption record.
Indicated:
h=5 m=35
